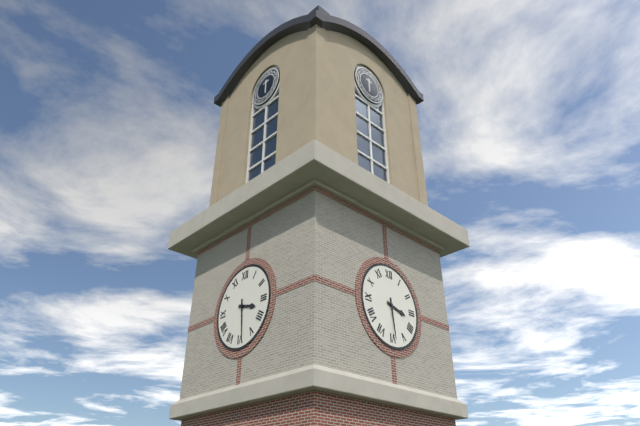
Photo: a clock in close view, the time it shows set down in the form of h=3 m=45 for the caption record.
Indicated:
h=3 m=29
